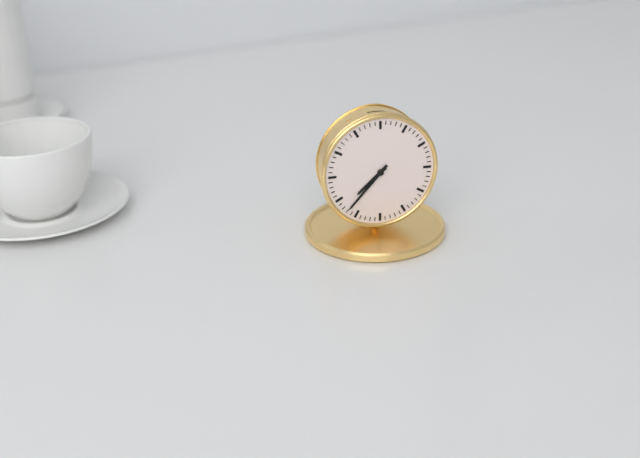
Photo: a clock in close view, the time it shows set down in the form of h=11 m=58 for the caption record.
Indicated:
h=7 m=37
